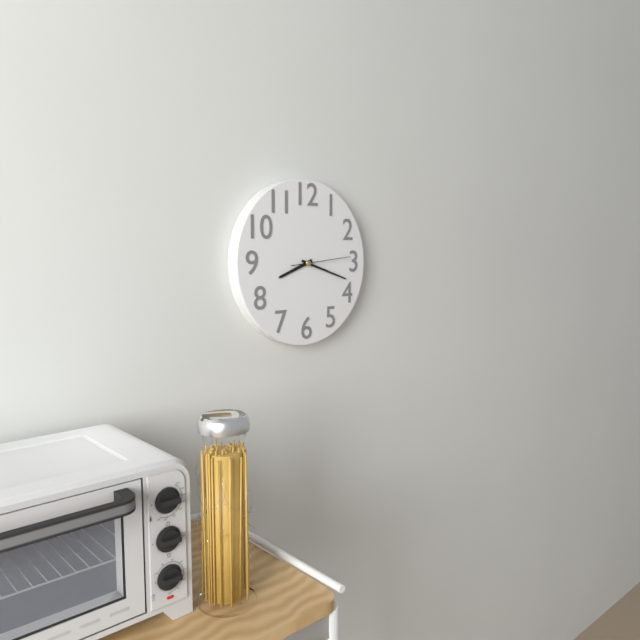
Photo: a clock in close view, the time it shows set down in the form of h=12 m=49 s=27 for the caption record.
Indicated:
h=8 m=18 s=14
